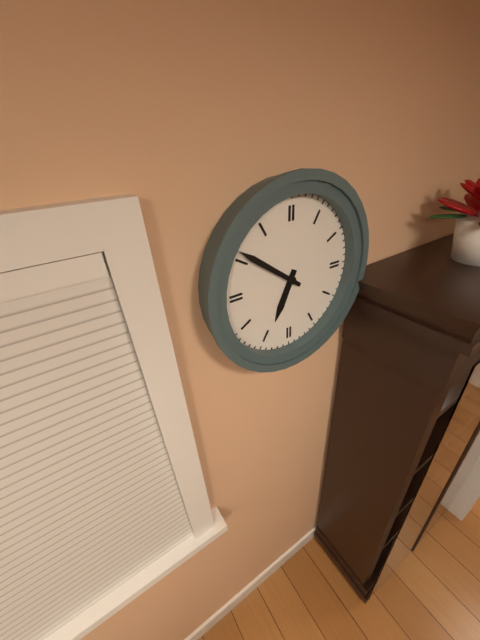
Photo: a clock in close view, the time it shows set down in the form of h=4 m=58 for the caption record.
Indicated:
h=6 m=51
